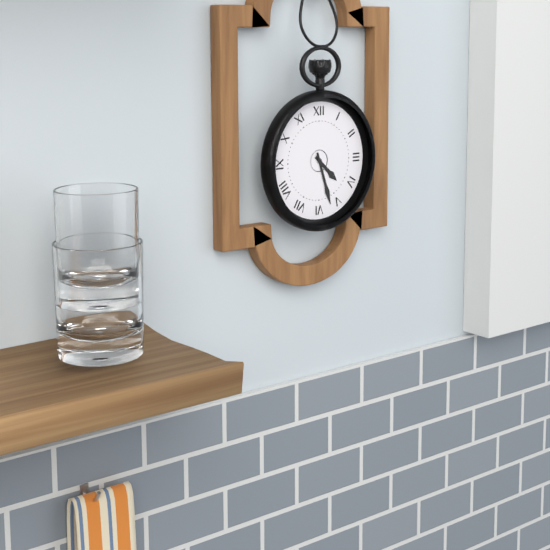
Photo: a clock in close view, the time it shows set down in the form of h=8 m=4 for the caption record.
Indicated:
h=4 m=27
